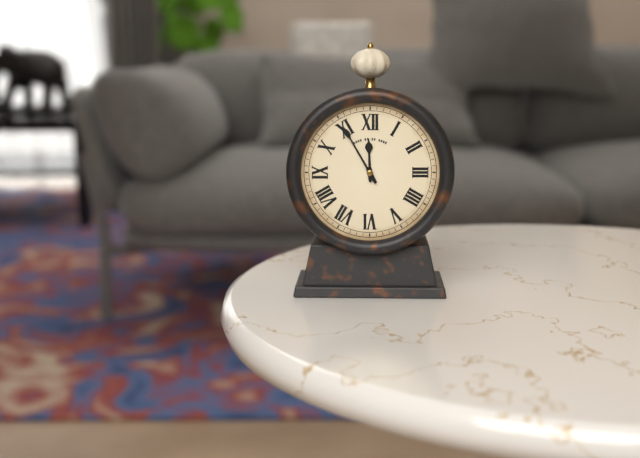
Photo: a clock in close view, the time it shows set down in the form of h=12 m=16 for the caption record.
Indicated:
h=11 m=55
